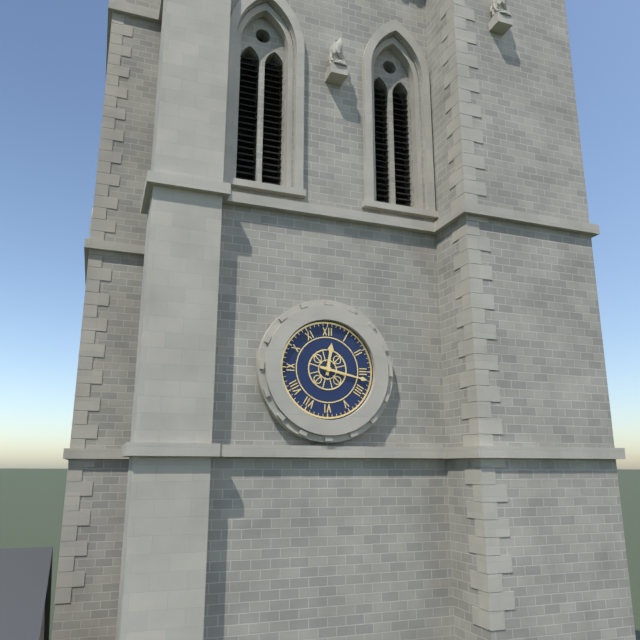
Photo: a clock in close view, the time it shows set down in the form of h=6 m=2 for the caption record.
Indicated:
h=12 m=17
